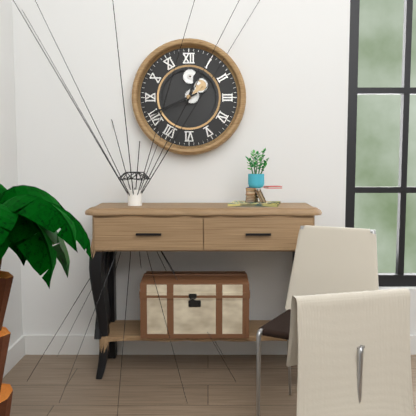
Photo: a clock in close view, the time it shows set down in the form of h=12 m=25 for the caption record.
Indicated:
h=12 m=41
